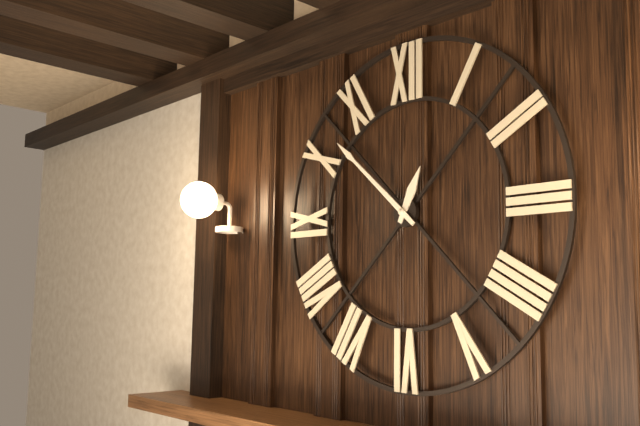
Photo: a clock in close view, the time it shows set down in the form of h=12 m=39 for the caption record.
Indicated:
h=12 m=52
